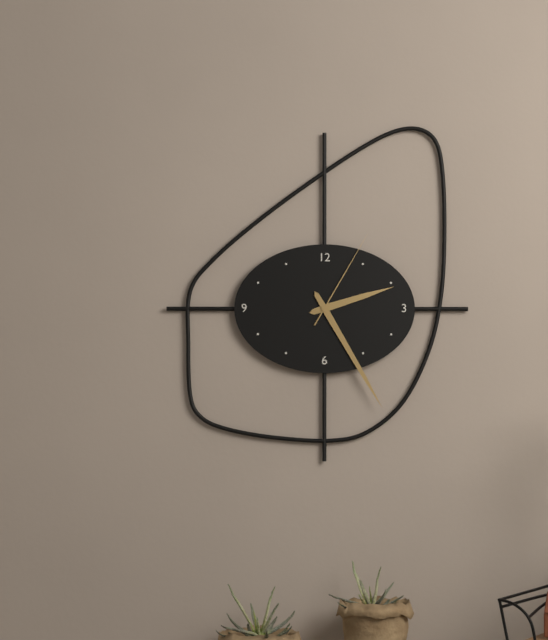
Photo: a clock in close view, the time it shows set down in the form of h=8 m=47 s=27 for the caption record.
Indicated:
h=2 m=25 s=5
